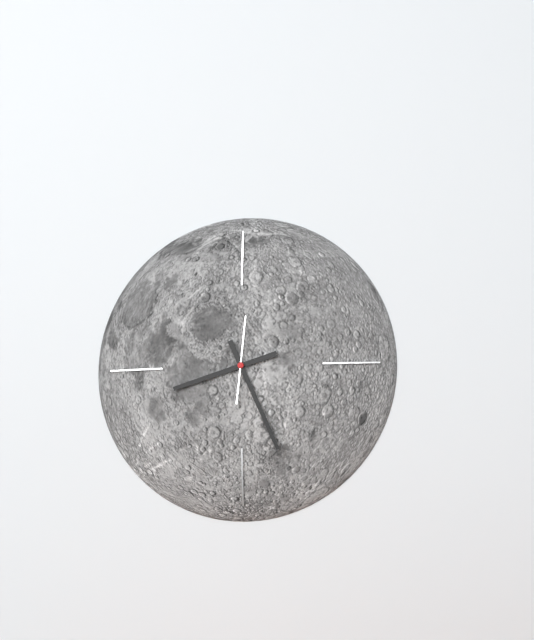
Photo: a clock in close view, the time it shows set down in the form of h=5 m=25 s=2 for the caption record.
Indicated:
h=8 m=26 s=1
